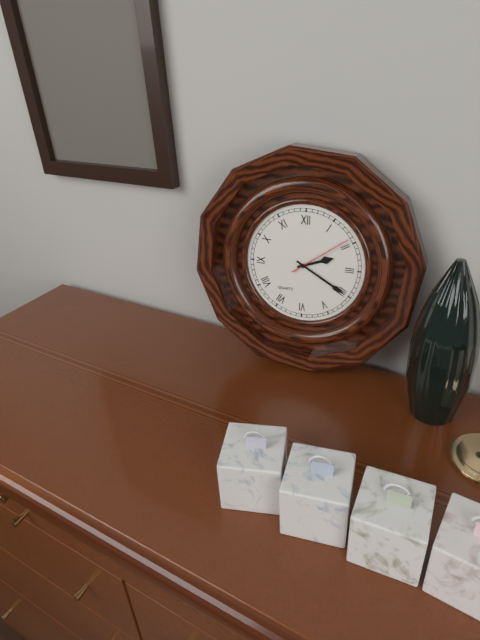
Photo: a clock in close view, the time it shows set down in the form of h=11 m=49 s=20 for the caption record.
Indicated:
h=2 m=20 s=9
